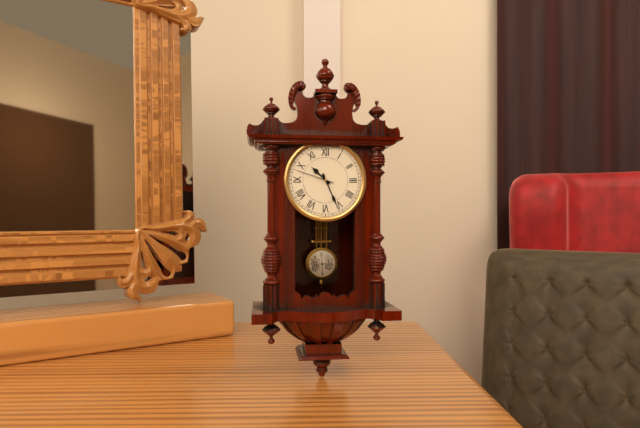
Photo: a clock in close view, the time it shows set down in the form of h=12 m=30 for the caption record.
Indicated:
h=10 m=26
